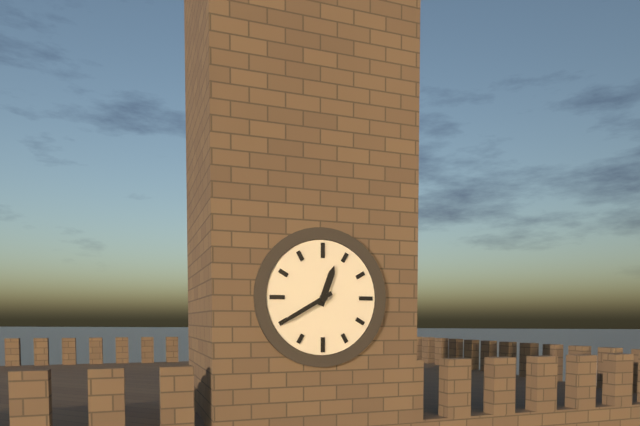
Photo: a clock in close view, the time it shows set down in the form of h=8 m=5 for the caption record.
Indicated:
h=12 m=40
